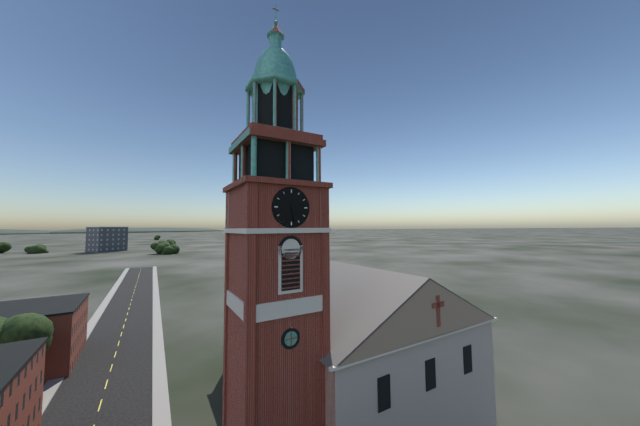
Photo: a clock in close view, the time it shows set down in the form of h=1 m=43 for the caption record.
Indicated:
h=2 m=28
